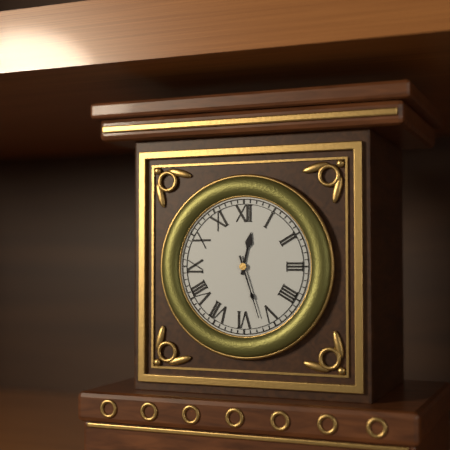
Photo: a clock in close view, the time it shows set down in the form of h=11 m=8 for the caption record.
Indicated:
h=12 m=27
